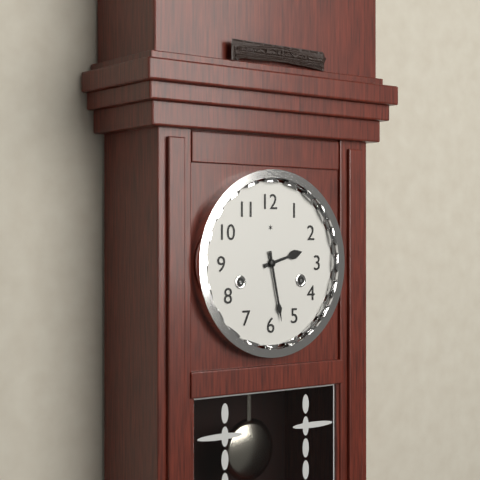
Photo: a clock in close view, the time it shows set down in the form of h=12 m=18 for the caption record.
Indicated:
h=2 m=28
